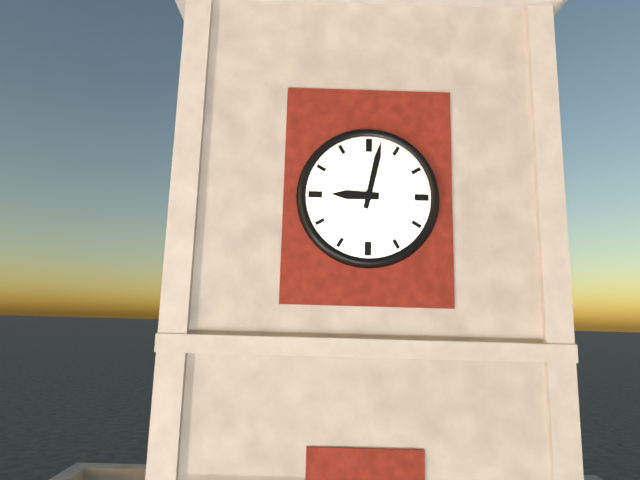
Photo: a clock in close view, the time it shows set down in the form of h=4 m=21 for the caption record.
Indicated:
h=9 m=2
